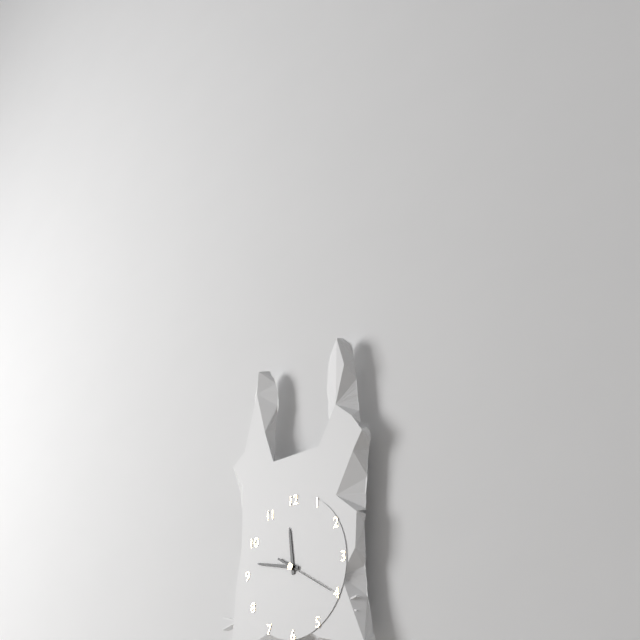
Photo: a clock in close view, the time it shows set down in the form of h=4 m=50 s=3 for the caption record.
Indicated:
h=11 m=47 s=20
